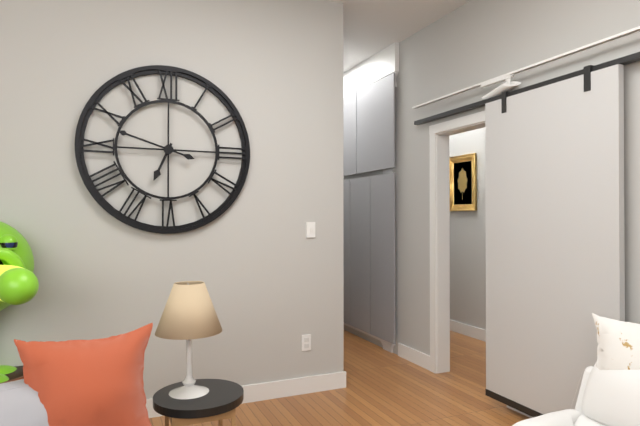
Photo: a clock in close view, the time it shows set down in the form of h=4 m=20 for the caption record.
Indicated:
h=6 m=48
